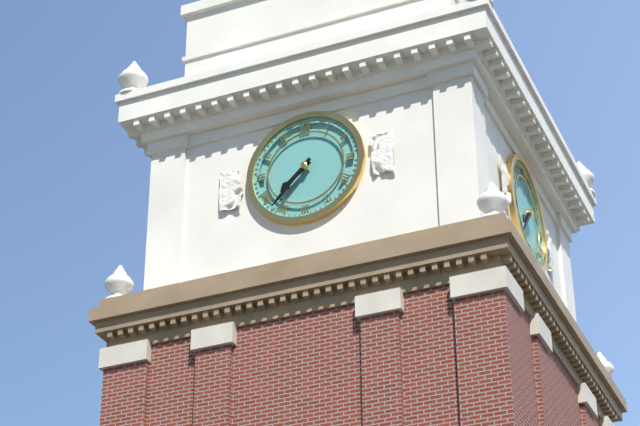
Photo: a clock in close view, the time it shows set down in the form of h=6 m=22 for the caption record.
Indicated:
h=7 m=37
